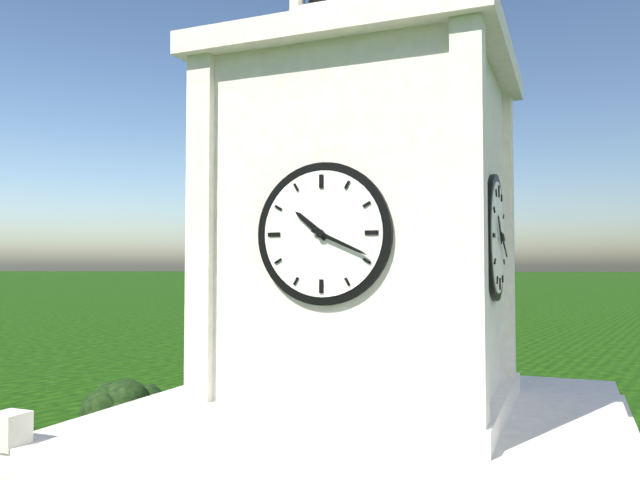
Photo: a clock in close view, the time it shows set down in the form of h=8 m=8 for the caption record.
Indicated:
h=10 m=19
